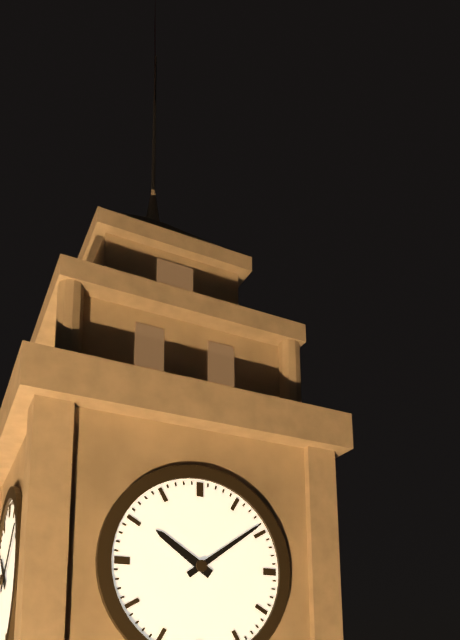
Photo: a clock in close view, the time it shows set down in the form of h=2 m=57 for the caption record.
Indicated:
h=10 m=9
